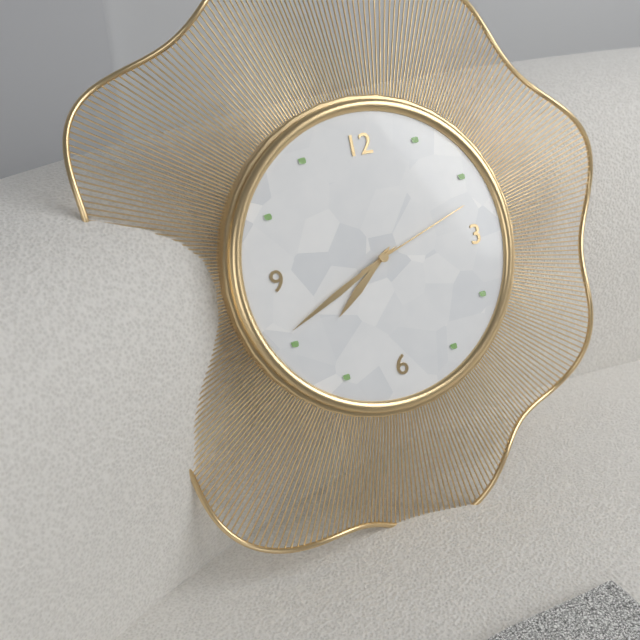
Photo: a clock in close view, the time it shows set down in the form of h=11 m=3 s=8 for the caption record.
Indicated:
h=7 m=41 s=12
